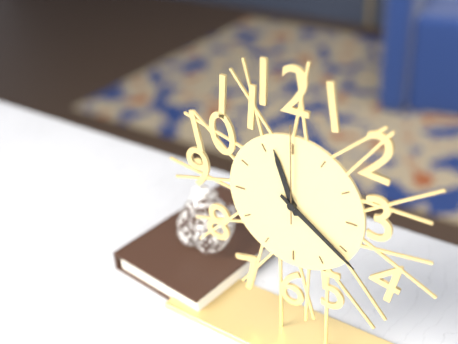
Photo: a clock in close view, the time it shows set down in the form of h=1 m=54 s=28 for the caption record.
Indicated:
h=11 m=21 s=0
